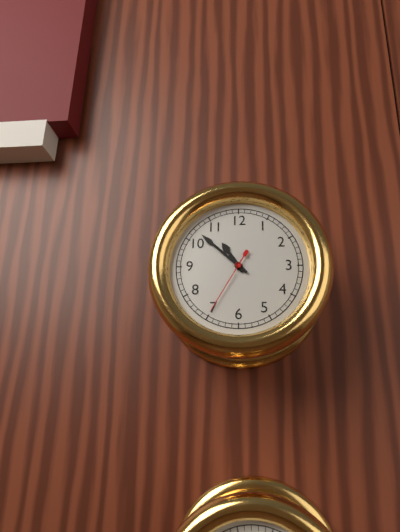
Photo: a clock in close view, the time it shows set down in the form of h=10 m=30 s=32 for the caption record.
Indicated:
h=10 m=52 s=35
